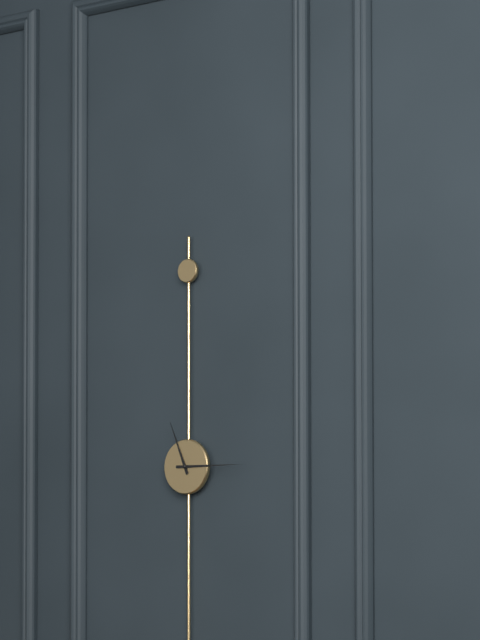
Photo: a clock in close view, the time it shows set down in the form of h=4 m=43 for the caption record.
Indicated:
h=11 m=15
